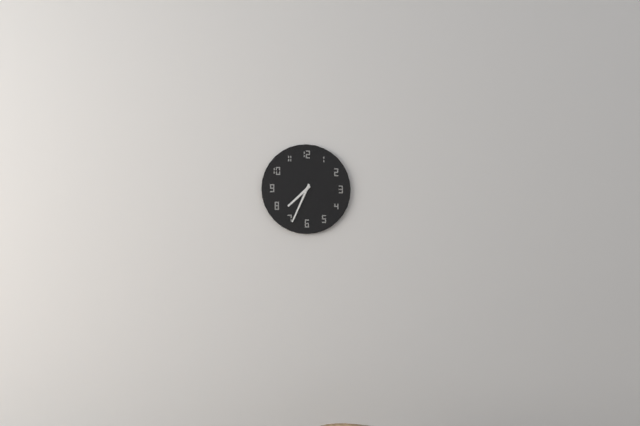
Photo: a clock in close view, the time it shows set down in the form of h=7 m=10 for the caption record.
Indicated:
h=7 m=34
